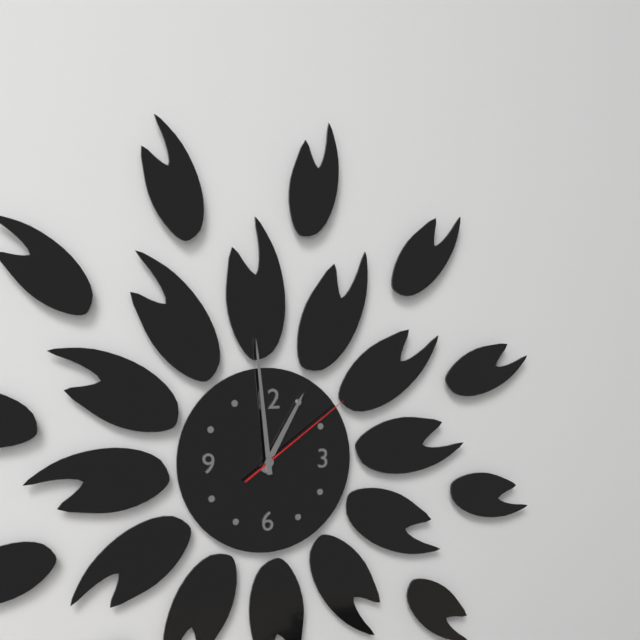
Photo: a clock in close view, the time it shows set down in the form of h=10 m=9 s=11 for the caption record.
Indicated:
h=12 m=59 s=9
